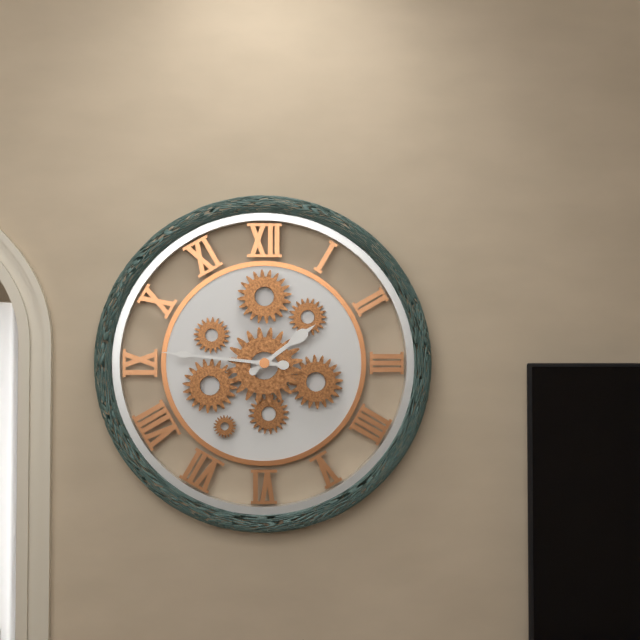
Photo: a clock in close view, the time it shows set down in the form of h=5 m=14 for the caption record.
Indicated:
h=1 m=46
